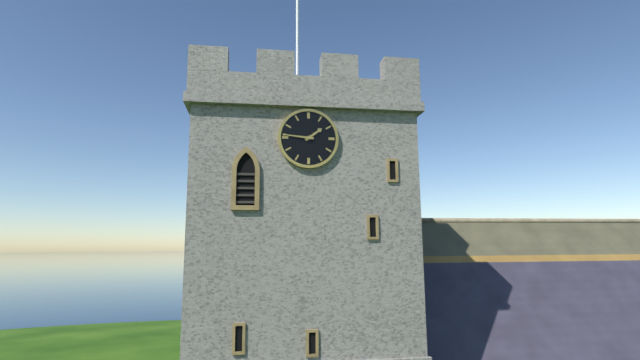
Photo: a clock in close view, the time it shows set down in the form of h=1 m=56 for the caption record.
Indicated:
h=1 m=46
